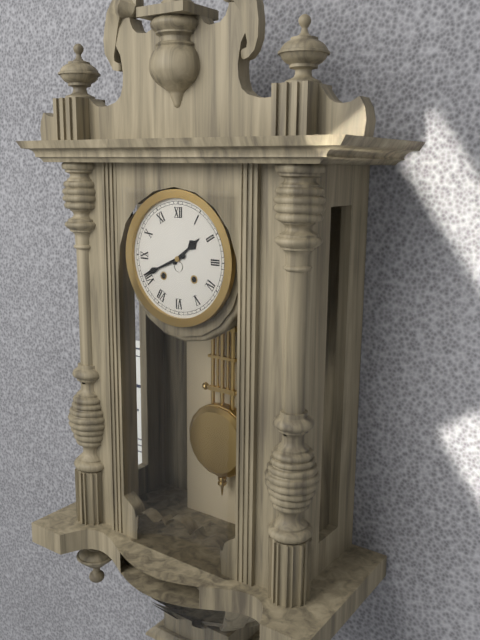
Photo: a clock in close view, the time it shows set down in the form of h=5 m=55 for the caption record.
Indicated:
h=1 m=41
